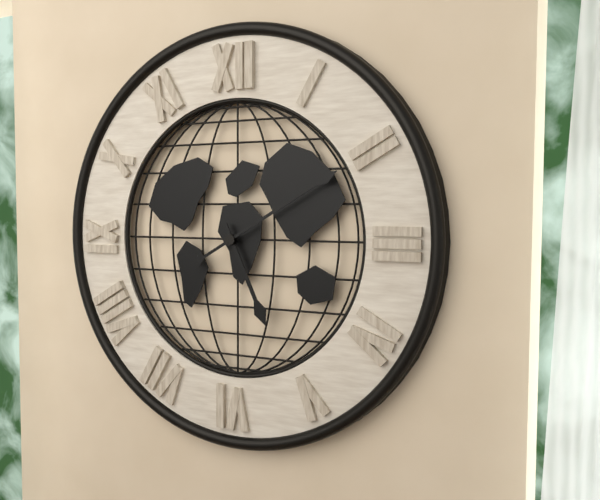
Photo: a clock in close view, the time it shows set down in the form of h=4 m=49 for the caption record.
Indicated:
h=5 m=10
